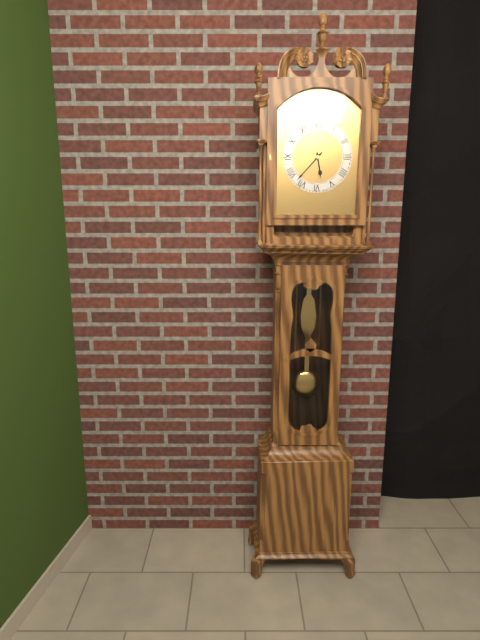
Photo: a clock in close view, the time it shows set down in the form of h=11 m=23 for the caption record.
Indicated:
h=5 m=37
